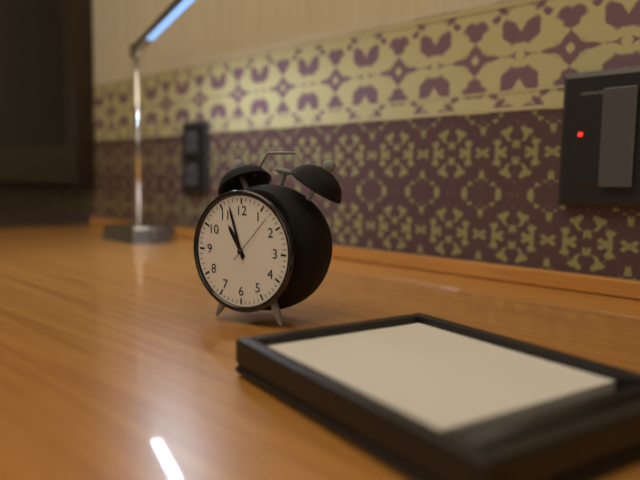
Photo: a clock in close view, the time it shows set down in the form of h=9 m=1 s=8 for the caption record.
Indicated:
h=10 m=57 s=7
